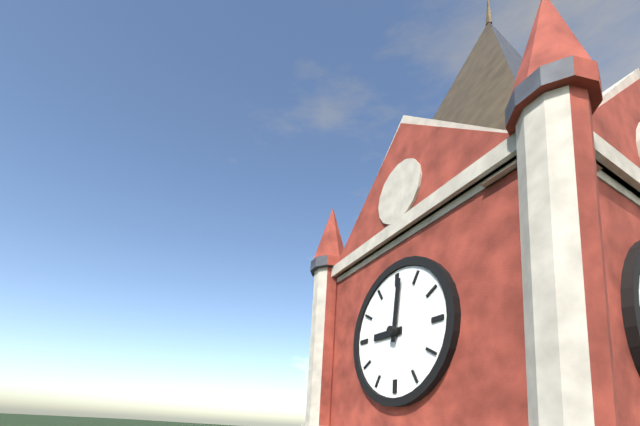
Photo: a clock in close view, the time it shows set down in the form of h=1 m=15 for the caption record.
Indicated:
h=9 m=1
